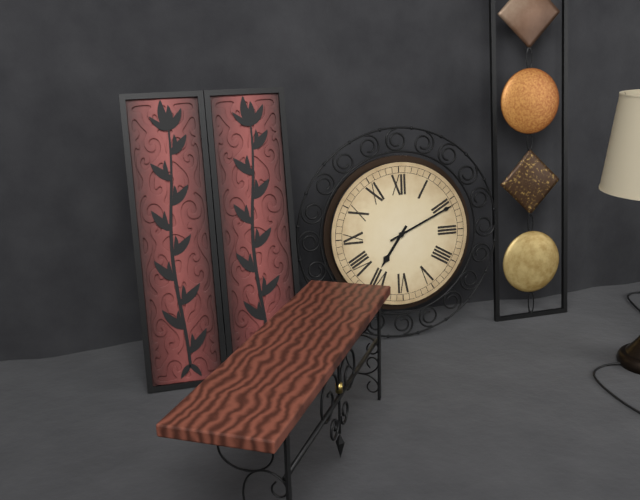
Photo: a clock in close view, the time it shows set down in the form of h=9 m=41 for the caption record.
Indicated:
h=7 m=11
